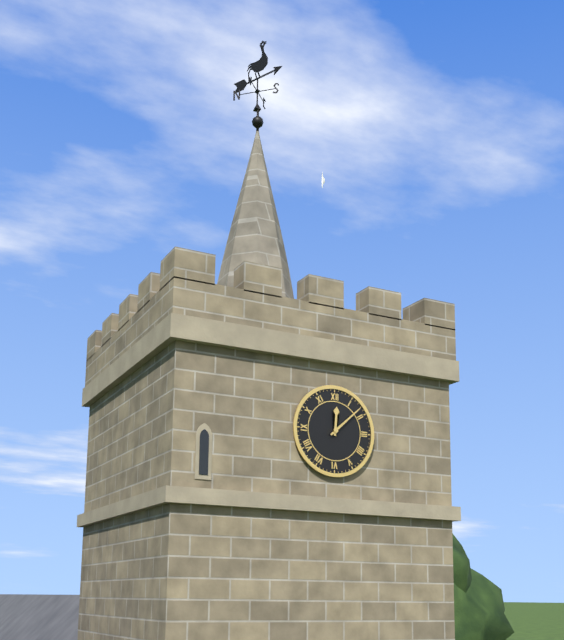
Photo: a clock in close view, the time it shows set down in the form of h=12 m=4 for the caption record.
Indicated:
h=12 m=8
